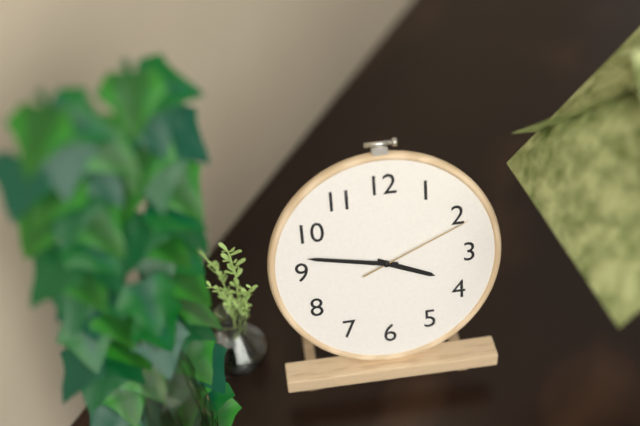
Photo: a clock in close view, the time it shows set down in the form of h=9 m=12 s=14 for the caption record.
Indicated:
h=3 m=47 s=11
